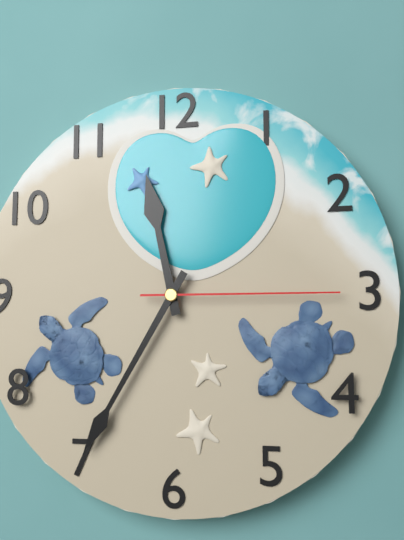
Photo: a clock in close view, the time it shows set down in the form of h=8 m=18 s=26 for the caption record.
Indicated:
h=11 m=35 s=15
